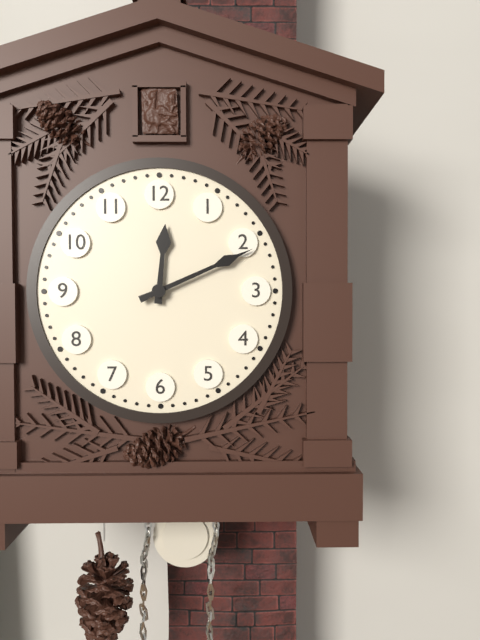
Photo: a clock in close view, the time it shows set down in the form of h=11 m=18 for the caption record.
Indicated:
h=12 m=11
